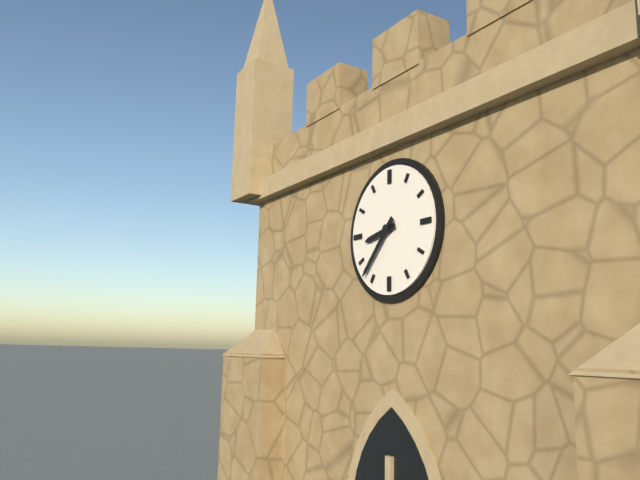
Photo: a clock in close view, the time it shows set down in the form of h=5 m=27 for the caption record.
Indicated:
h=8 m=37
